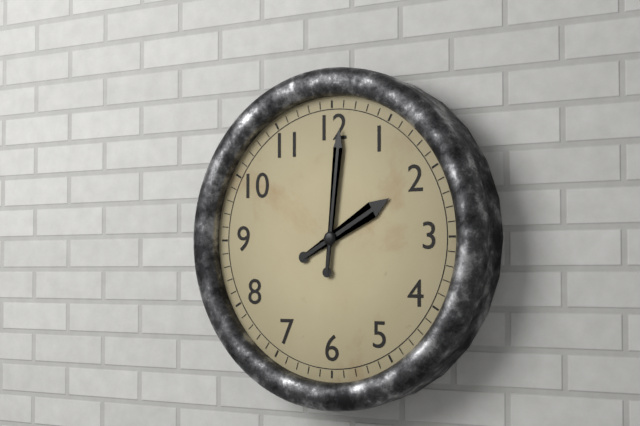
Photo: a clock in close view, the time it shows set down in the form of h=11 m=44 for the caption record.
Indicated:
h=2 m=1
